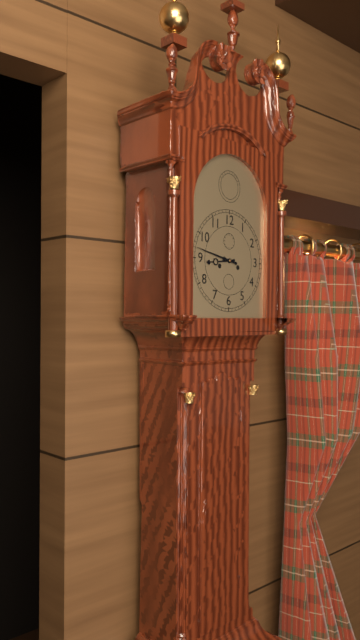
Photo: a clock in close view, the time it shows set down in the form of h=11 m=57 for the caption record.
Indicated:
h=8 m=47
